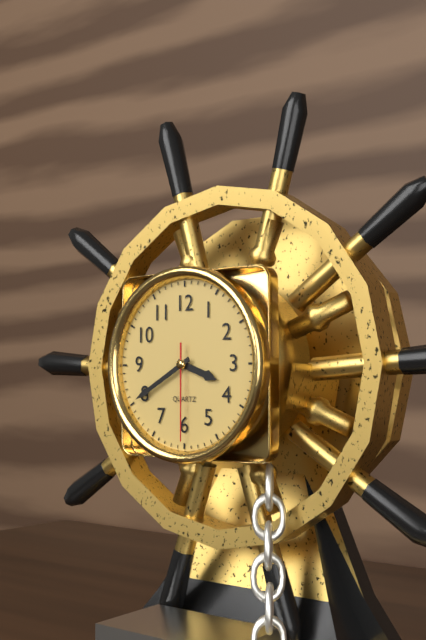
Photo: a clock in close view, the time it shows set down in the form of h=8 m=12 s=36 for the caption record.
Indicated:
h=3 m=40 s=30
